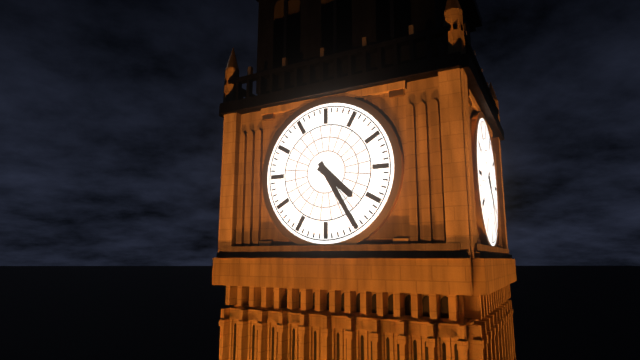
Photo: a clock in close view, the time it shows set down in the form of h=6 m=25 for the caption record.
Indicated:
h=4 m=25
